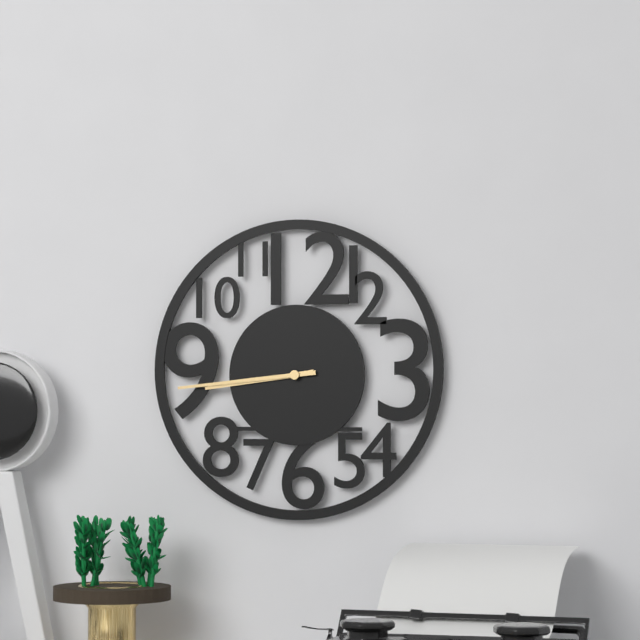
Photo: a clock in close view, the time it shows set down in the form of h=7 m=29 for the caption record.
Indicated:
h=8 m=44
